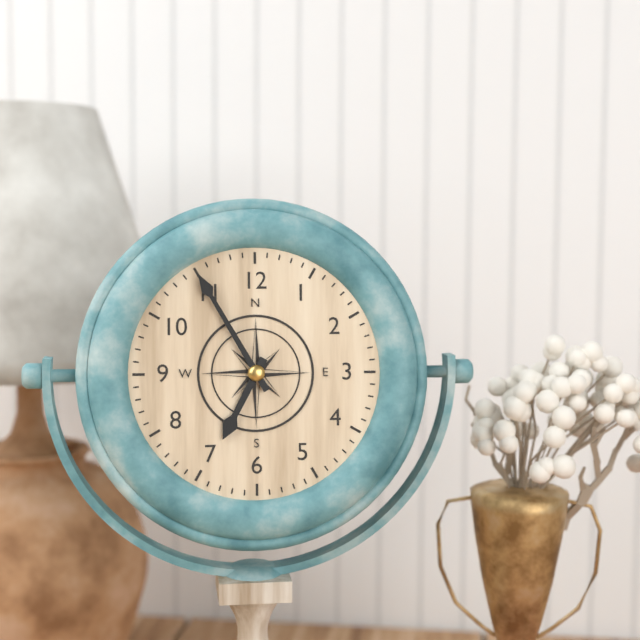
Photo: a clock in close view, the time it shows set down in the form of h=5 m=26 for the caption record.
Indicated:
h=6 m=55
